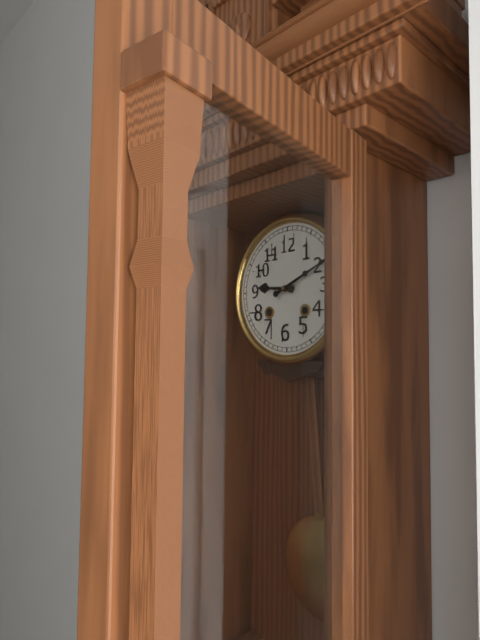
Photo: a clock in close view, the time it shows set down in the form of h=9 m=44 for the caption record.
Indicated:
h=9 m=11
